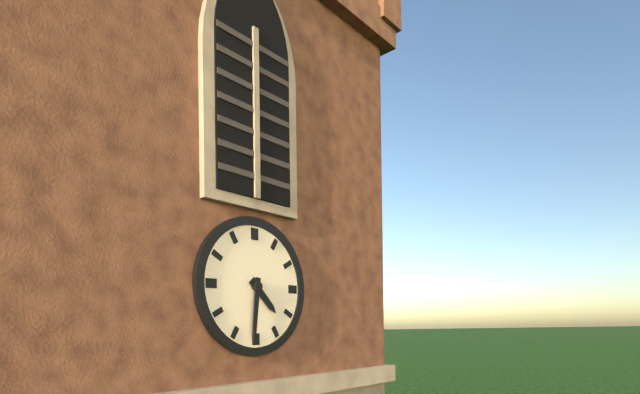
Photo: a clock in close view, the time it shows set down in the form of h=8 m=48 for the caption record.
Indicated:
h=4 m=31
